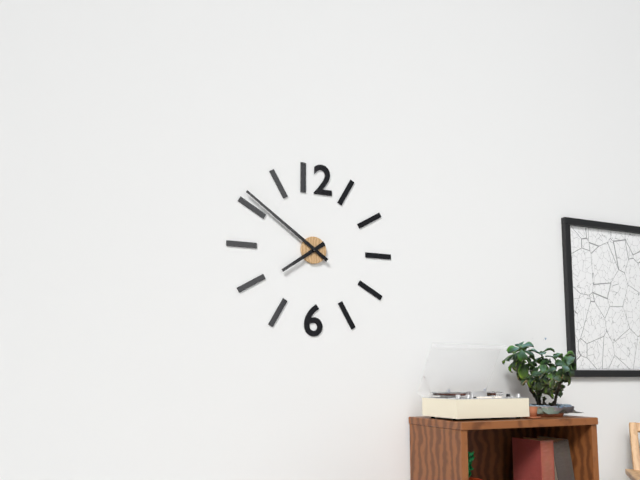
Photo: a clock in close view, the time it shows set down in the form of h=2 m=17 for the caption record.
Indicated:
h=7 m=51
